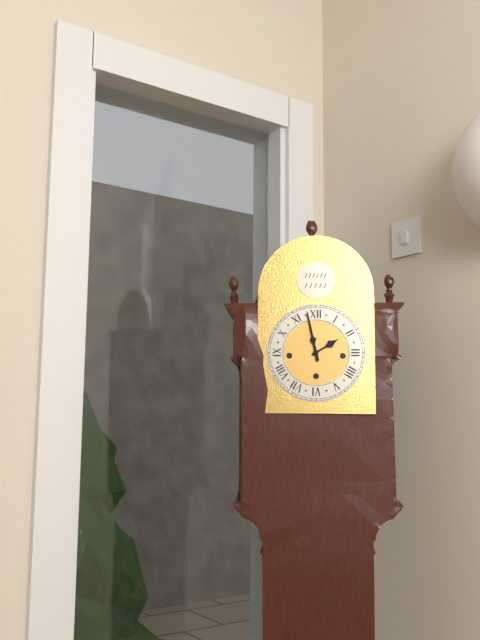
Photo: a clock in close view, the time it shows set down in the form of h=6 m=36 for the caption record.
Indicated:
h=1 m=58
